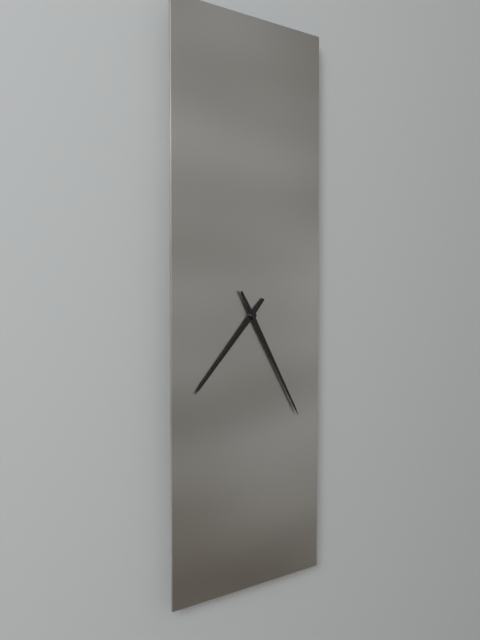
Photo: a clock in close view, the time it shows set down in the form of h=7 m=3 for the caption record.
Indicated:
h=7 m=25
